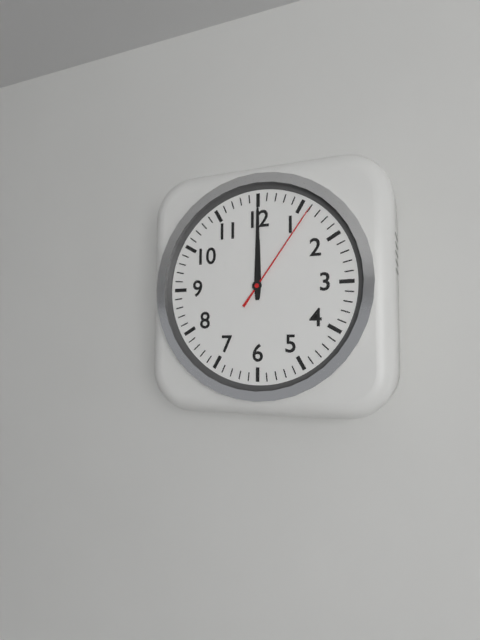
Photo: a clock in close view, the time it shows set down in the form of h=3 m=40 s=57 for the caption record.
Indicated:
h=12 m=0 s=6
